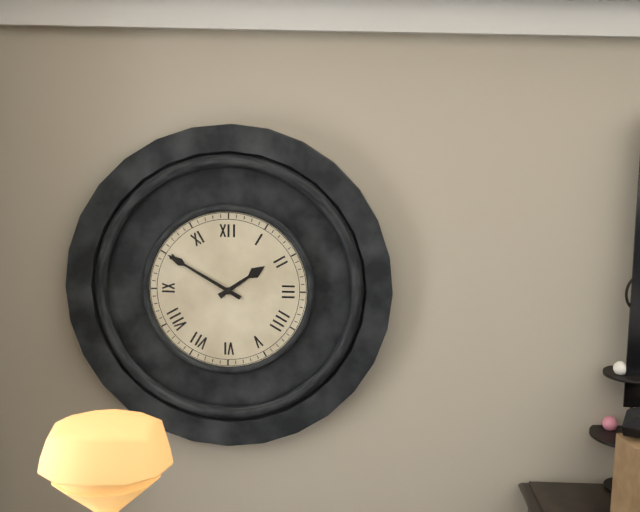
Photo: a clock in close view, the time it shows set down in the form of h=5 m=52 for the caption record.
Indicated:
h=1 m=50
